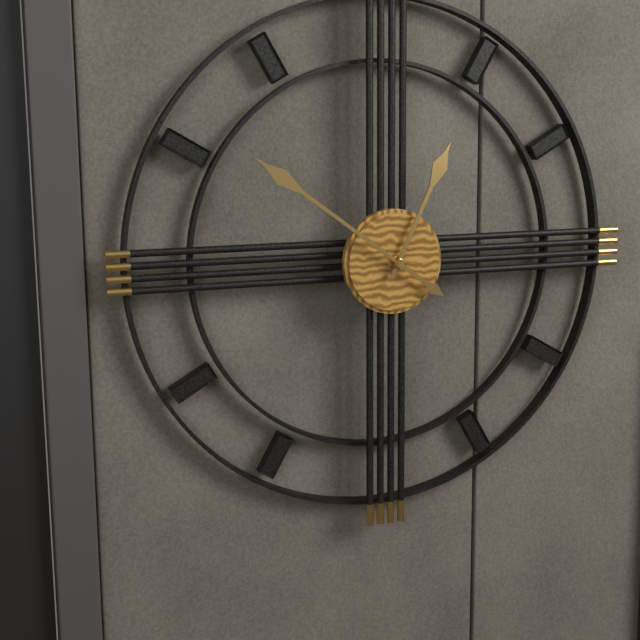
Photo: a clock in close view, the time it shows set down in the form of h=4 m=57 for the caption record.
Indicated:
h=12 m=51
